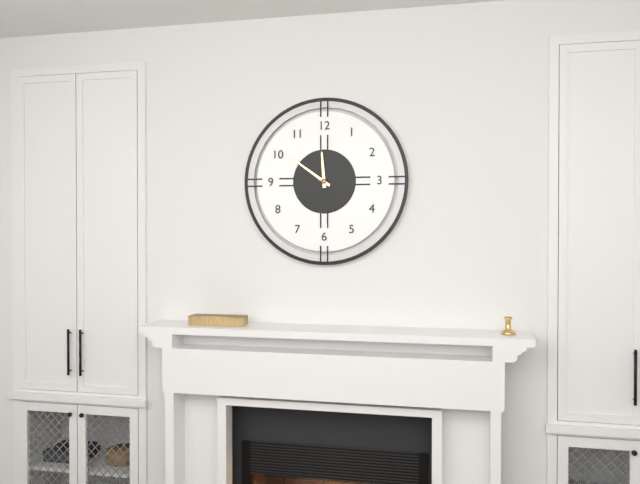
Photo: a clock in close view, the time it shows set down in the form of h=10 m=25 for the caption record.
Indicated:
h=11 m=51
